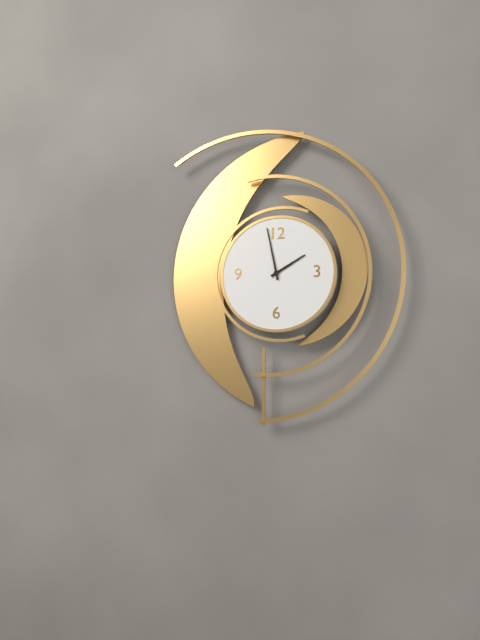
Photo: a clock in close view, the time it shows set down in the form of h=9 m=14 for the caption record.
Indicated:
h=1 m=58
